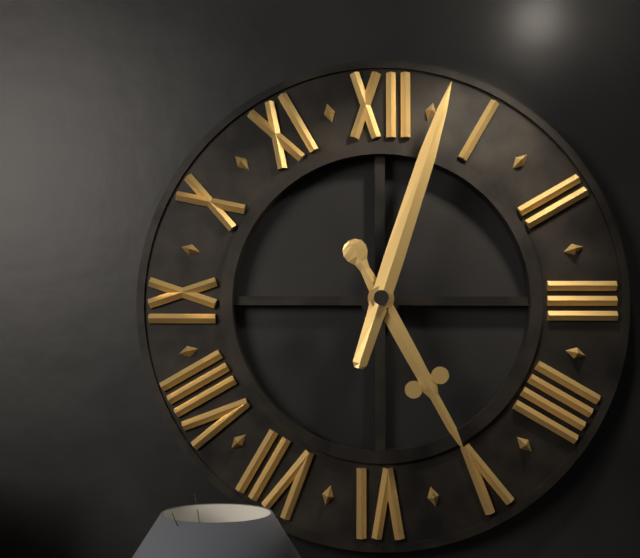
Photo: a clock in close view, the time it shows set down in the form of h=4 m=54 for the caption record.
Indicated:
h=5 m=3
